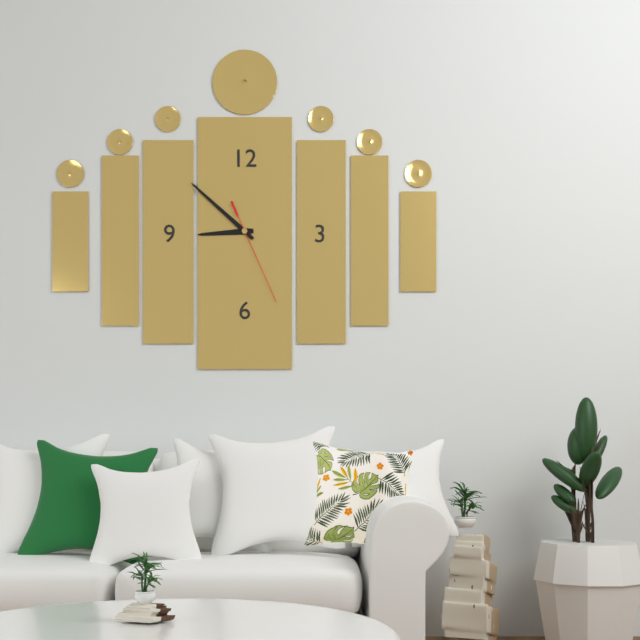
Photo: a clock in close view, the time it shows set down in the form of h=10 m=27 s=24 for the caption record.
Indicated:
h=8 m=52 s=26
